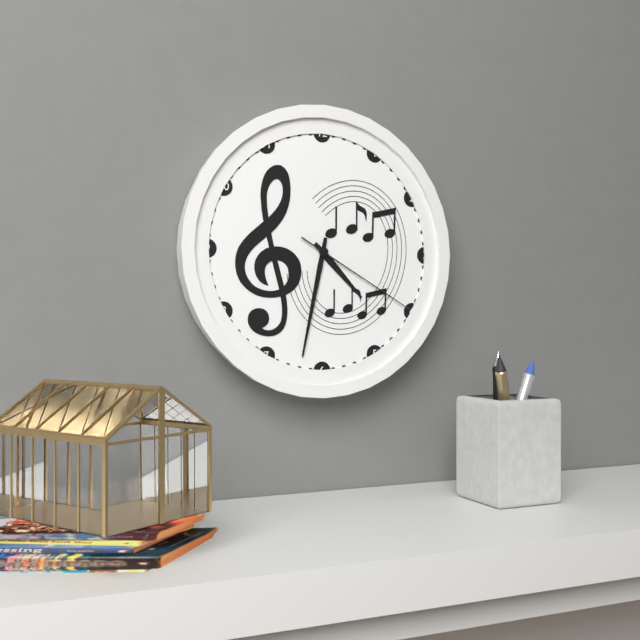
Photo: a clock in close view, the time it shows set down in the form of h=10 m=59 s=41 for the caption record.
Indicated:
h=4 m=32 s=20
